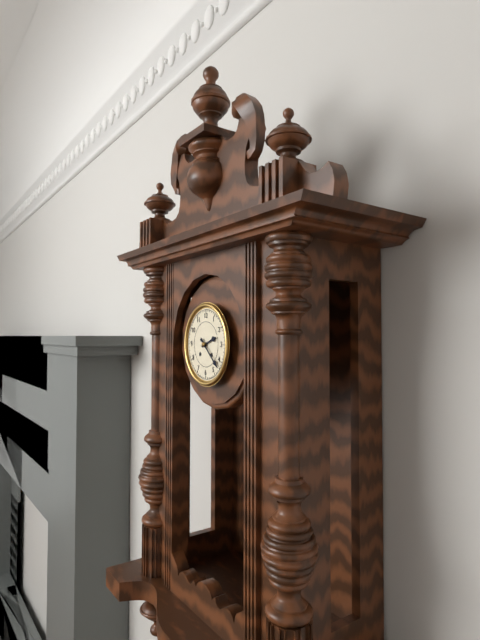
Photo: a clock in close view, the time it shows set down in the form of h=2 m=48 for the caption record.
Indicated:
h=2 m=22
